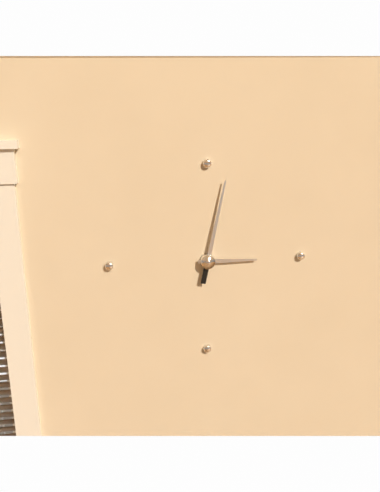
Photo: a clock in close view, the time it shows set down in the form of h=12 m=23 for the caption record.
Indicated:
h=3 m=2
